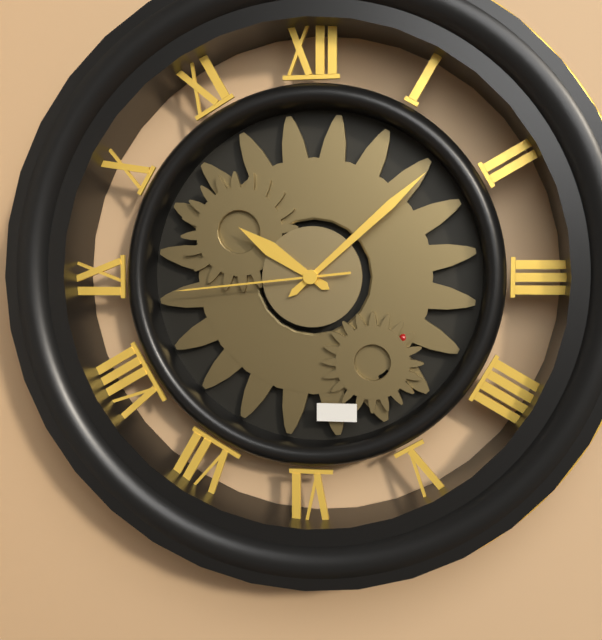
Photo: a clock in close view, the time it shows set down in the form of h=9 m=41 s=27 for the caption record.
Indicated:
h=10 m=8 s=44
